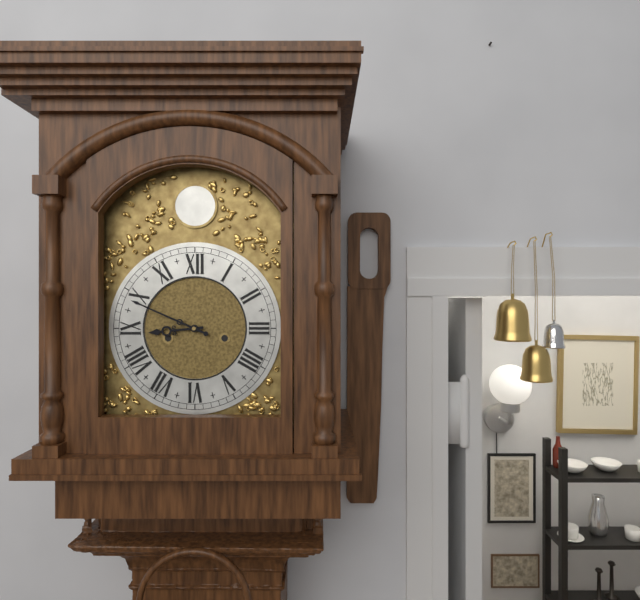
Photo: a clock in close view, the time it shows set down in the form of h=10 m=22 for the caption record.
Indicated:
h=8 m=49
